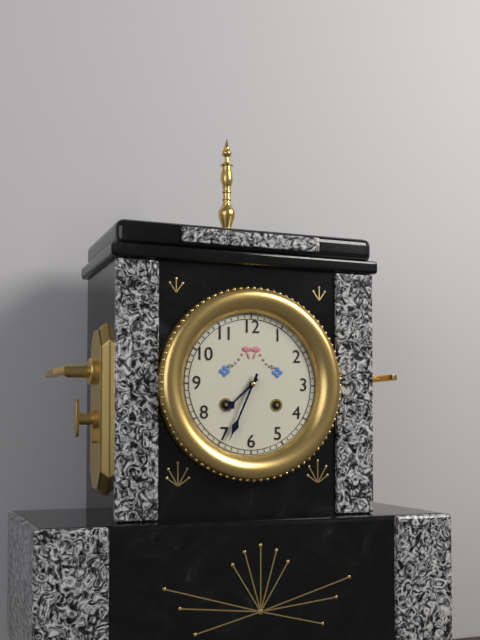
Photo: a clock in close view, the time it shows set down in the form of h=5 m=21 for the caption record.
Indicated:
h=7 m=34
